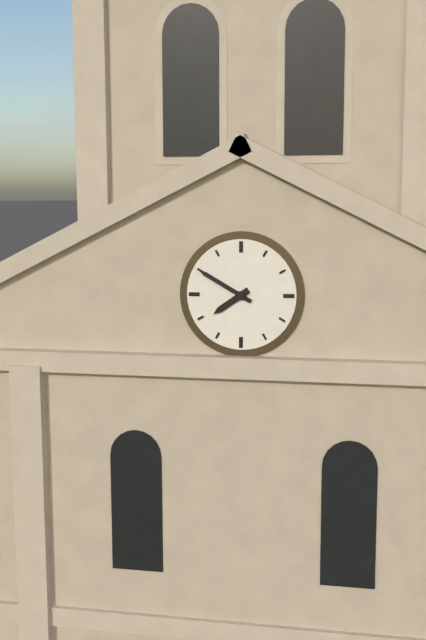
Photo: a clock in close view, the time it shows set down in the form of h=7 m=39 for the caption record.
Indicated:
h=7 m=50
